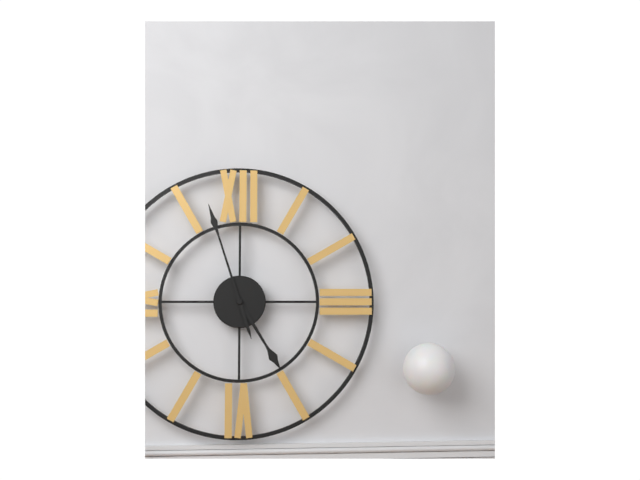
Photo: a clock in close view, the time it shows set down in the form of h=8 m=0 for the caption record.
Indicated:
h=4 m=57
